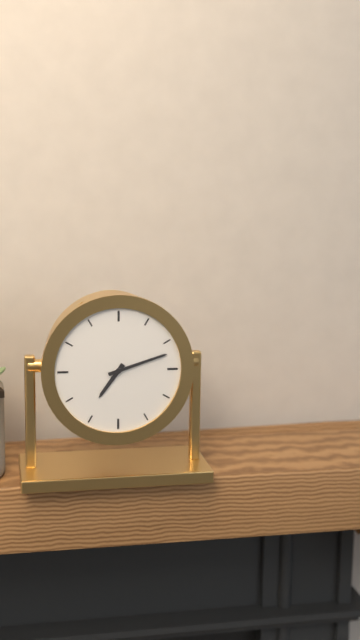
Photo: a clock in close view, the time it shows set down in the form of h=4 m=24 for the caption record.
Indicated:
h=7 m=12
